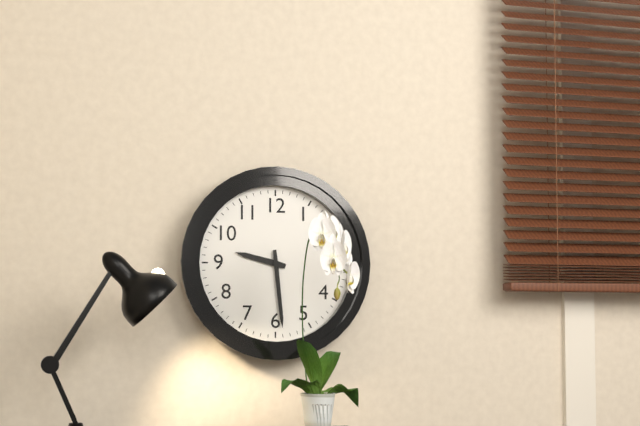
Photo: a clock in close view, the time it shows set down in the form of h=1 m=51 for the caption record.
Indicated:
h=9 m=29
